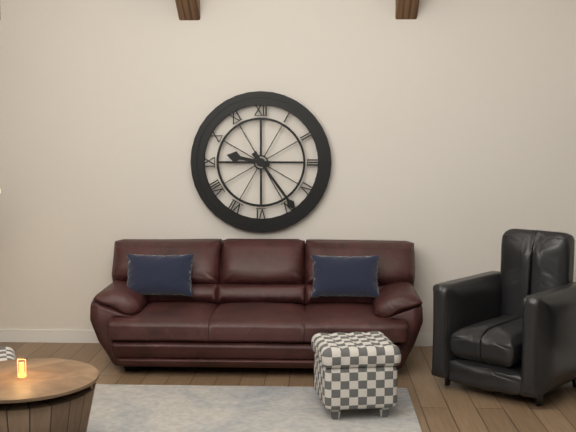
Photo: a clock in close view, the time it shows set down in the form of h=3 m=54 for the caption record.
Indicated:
h=9 m=24
